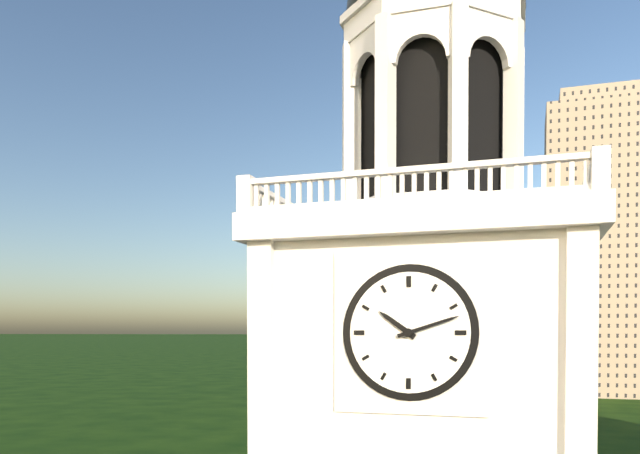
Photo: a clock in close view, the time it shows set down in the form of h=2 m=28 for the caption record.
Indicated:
h=10 m=12
